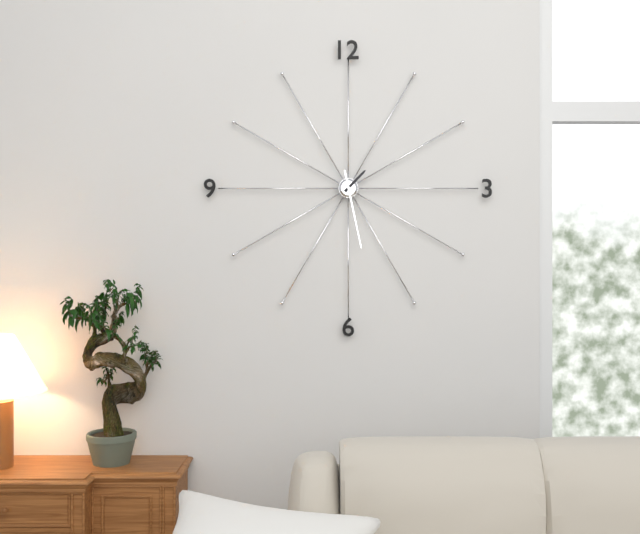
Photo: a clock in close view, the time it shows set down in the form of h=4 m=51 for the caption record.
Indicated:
h=1 m=28
